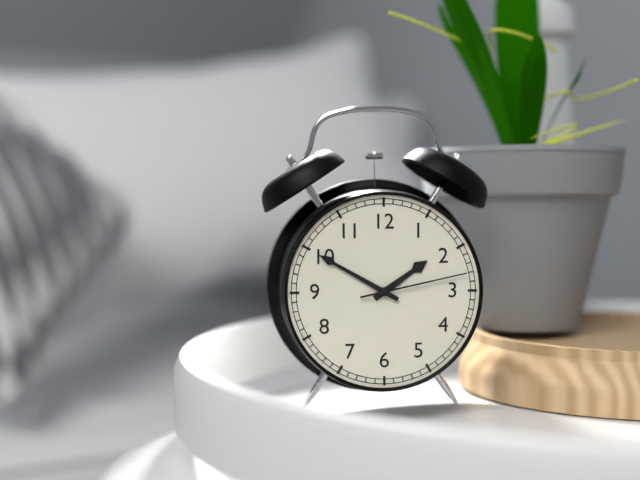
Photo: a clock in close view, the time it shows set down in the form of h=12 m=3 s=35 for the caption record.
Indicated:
h=1 m=50 s=13
